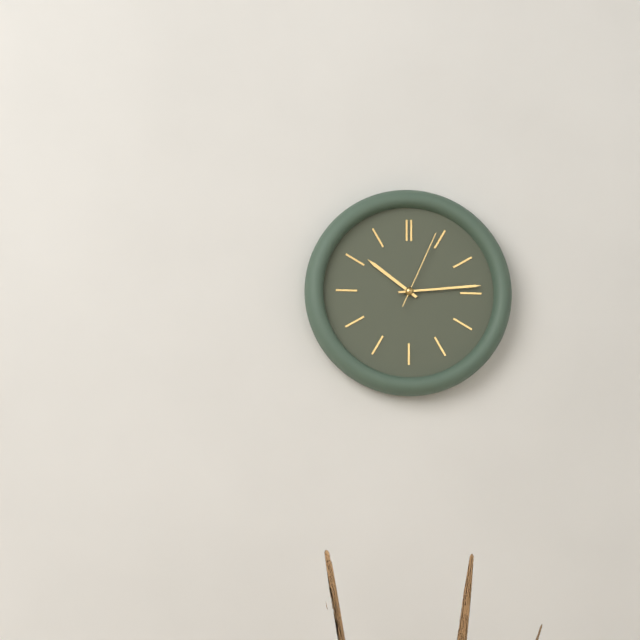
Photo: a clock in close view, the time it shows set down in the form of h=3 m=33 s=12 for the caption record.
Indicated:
h=10 m=14 s=4
